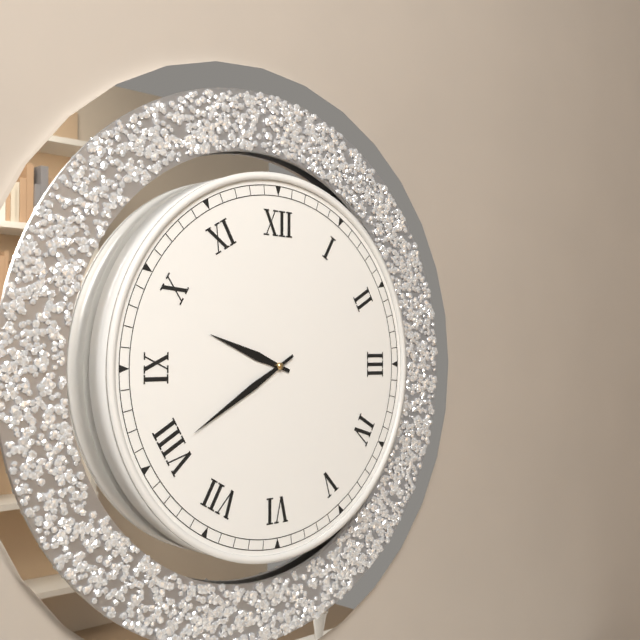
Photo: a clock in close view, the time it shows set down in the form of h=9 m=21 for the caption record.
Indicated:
h=9 m=40
